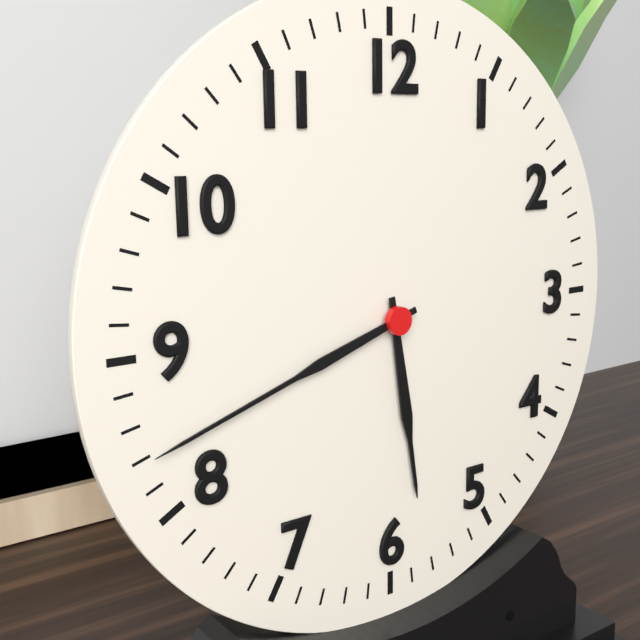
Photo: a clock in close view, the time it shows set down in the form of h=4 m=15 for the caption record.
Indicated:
h=5 m=42
